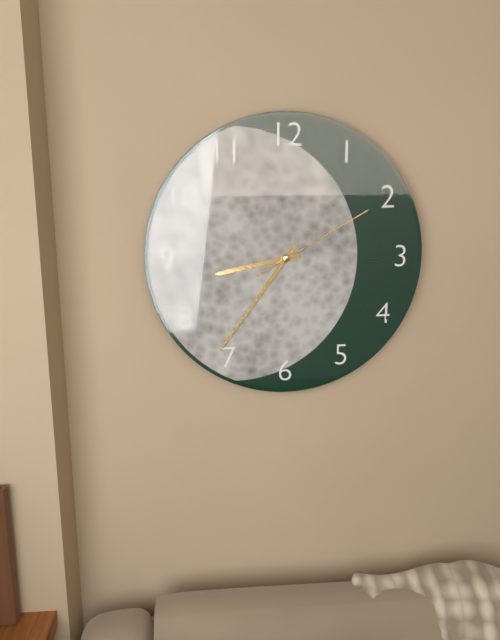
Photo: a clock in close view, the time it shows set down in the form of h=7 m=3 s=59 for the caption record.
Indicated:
h=8 m=36 s=10
